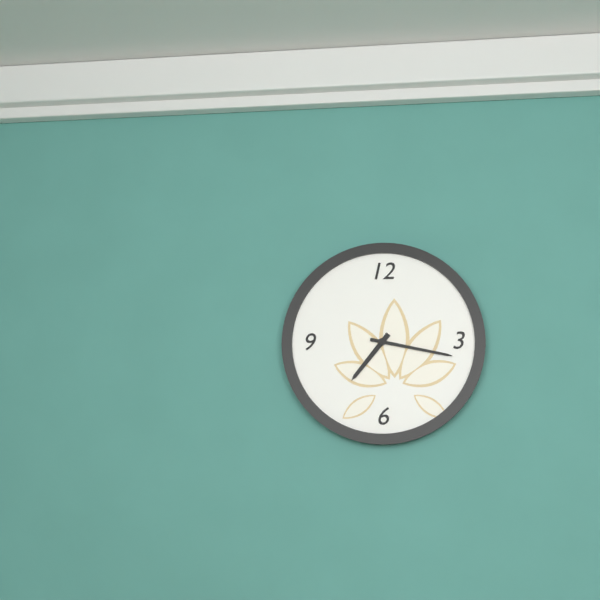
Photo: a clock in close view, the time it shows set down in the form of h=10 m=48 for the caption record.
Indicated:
h=7 m=17
